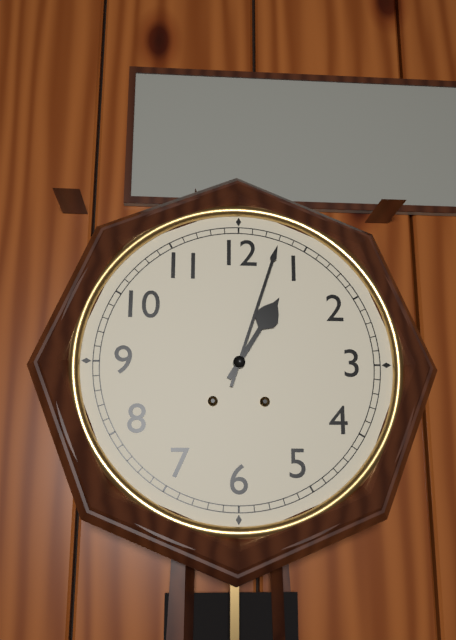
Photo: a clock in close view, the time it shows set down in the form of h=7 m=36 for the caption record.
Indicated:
h=1 m=3
